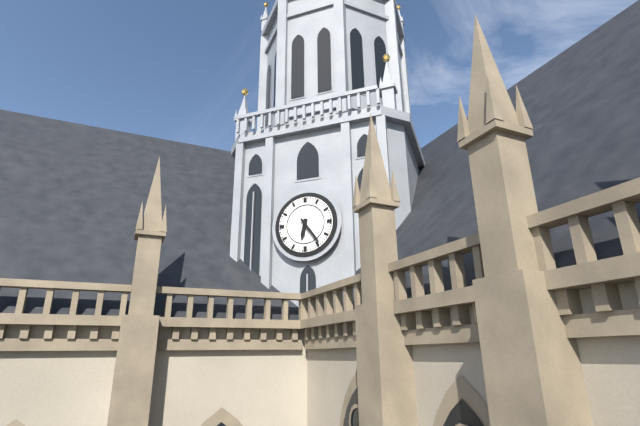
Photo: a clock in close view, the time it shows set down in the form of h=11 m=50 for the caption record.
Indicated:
h=6 m=24
